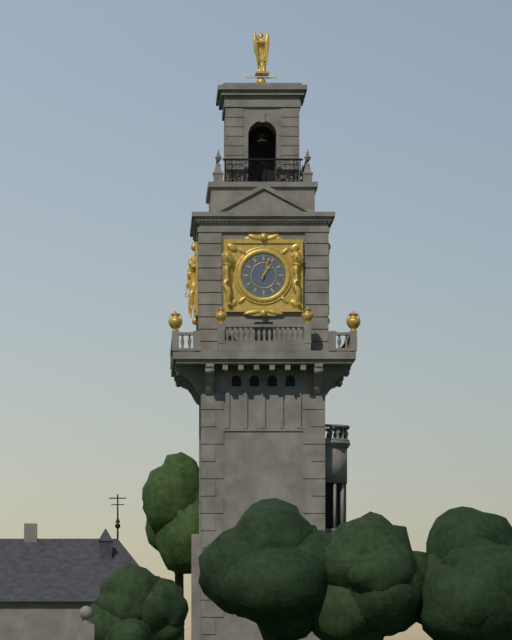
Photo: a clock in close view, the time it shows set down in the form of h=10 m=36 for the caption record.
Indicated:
h=1 m=3
